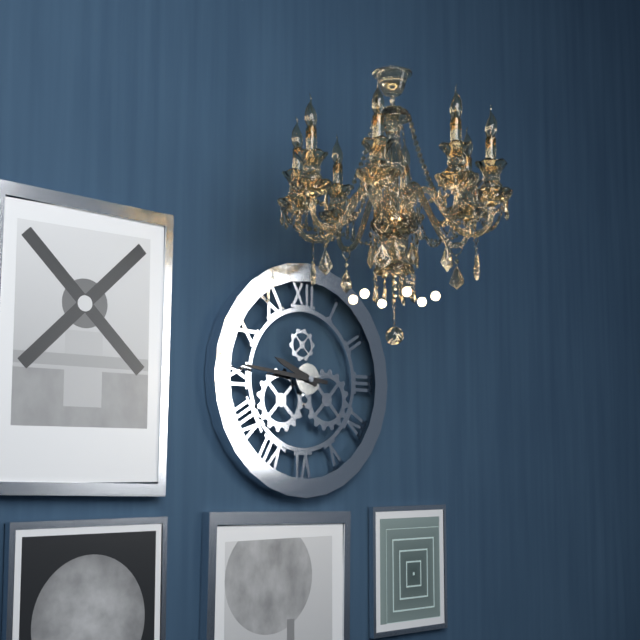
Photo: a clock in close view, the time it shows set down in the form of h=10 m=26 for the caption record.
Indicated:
h=9 m=46
